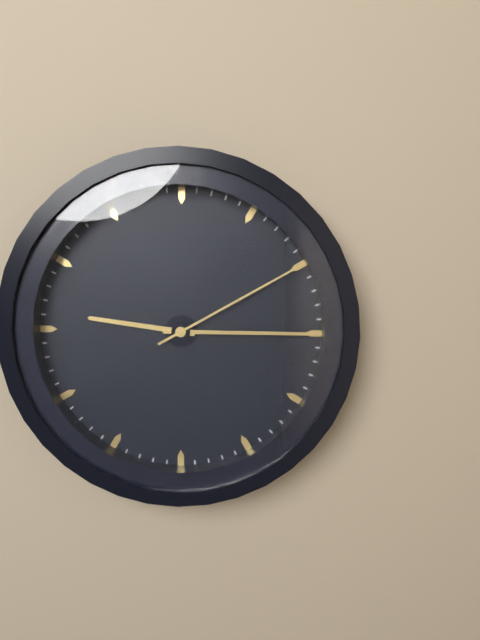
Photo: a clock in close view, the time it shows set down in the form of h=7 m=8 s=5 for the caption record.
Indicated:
h=9 m=15 s=10
